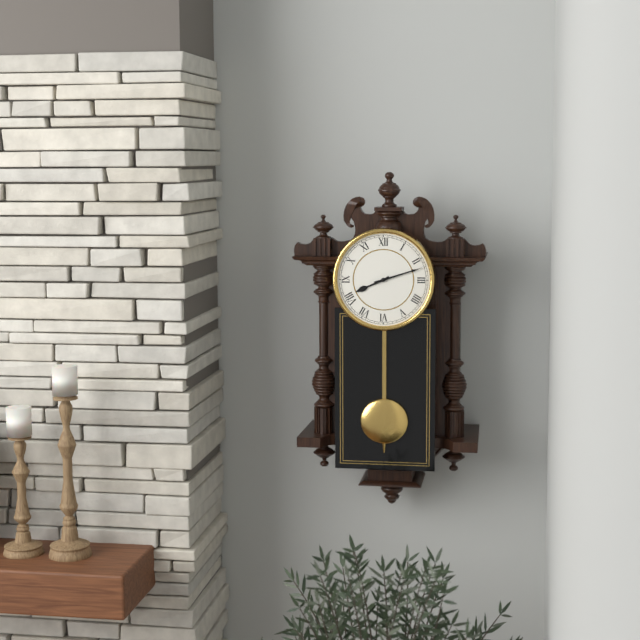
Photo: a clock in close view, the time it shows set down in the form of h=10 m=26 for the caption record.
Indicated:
h=8 m=12
